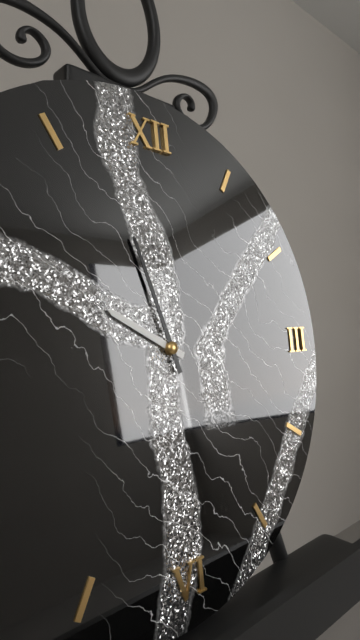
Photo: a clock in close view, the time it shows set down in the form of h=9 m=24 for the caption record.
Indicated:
h=9 m=57
